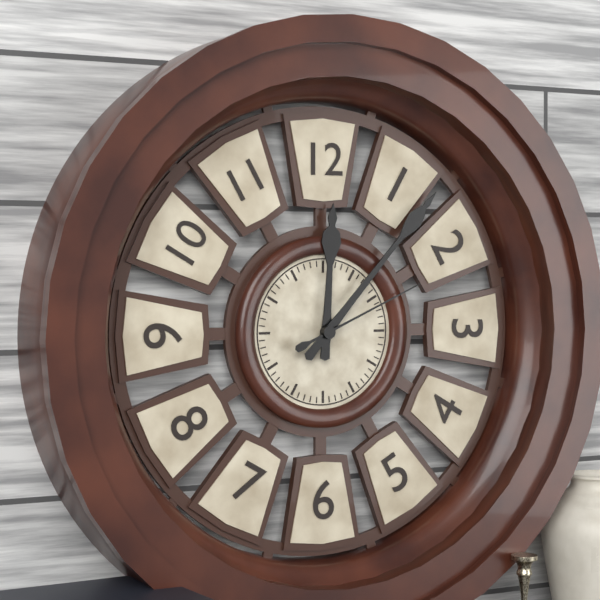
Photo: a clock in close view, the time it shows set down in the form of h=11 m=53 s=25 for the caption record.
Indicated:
h=12 m=7 s=11
